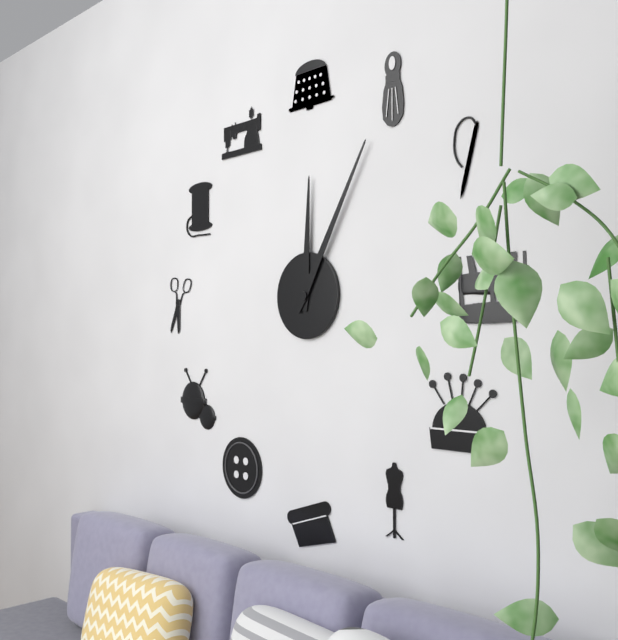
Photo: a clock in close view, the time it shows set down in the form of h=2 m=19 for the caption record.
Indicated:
h=12 m=5
